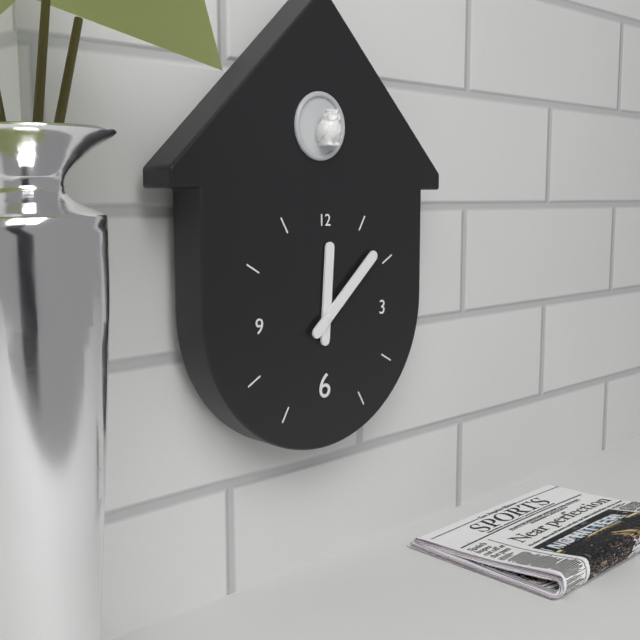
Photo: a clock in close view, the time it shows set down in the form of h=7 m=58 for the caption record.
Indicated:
h=12 m=8
